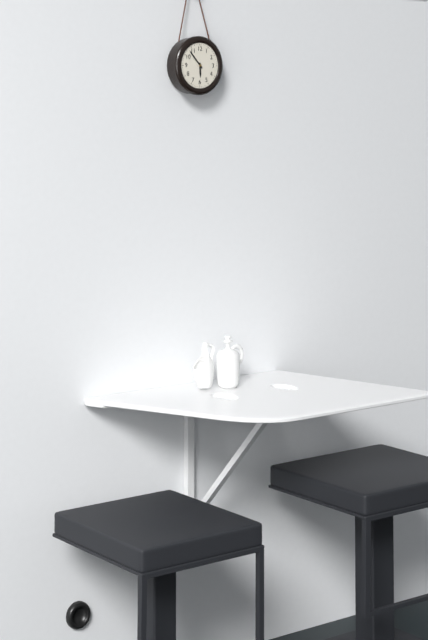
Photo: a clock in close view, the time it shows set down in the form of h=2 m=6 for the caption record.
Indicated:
h=5 m=53
